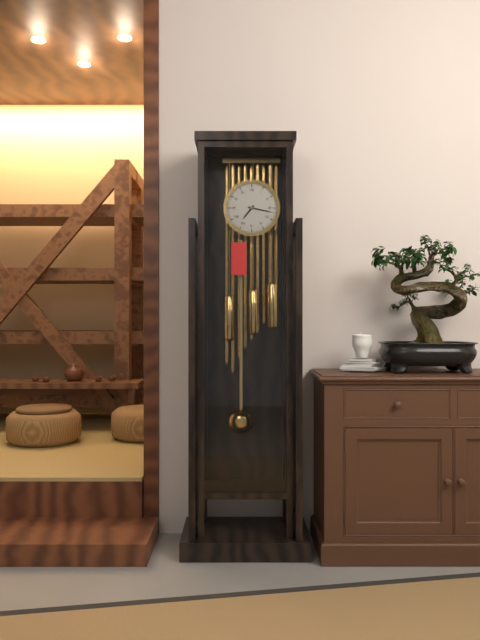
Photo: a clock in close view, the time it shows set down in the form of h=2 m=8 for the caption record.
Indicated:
h=7 m=17
